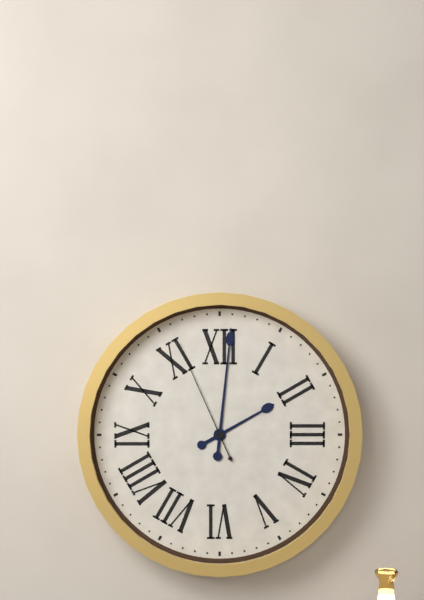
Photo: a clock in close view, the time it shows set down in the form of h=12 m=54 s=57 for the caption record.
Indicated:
h=2 m=1 s=56
